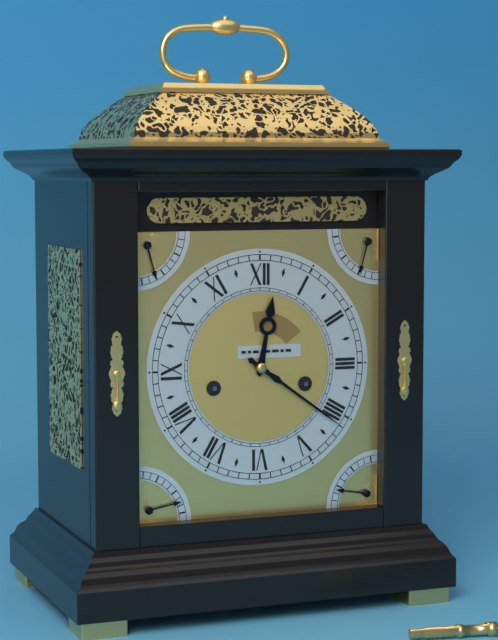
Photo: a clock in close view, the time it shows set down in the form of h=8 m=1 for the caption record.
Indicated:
h=12 m=21
